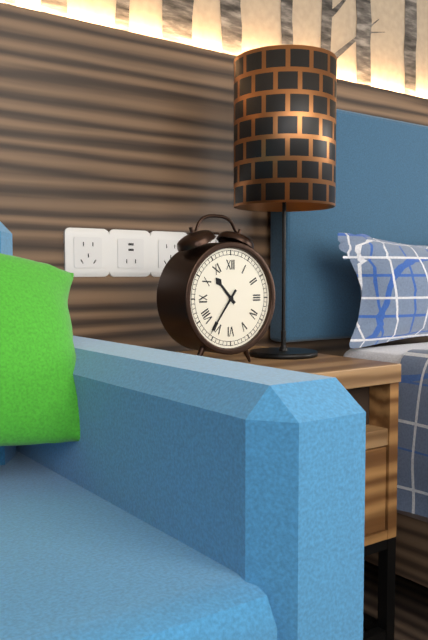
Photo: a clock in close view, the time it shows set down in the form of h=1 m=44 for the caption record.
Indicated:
h=10 m=36
